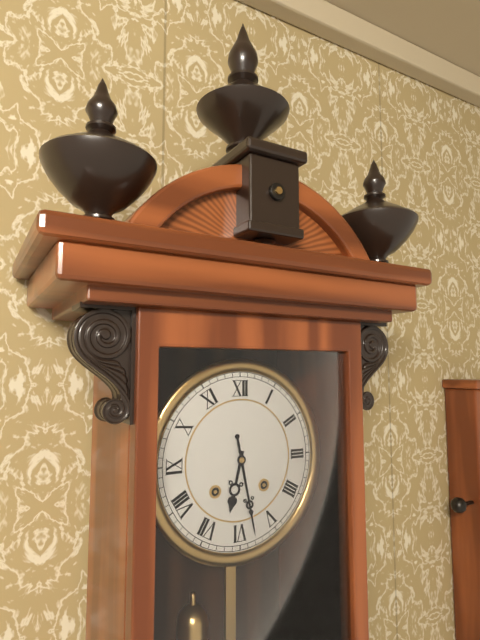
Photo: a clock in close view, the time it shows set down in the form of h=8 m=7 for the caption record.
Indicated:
h=6 m=28
